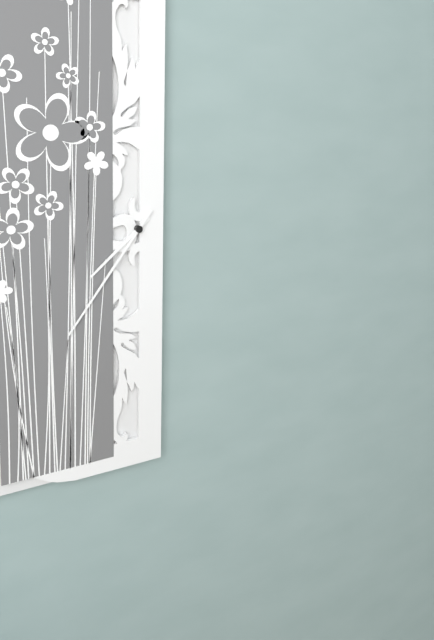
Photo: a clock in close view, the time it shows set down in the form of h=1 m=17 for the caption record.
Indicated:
h=7 m=36
